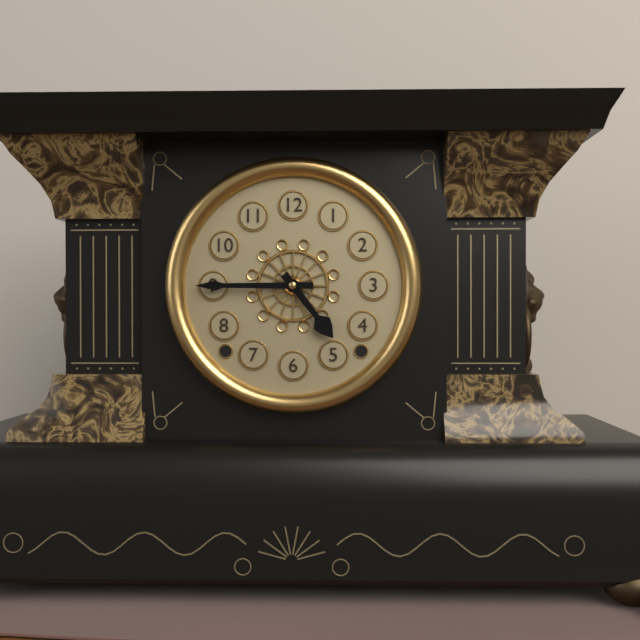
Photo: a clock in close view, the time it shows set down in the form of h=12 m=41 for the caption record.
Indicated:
h=4 m=45
